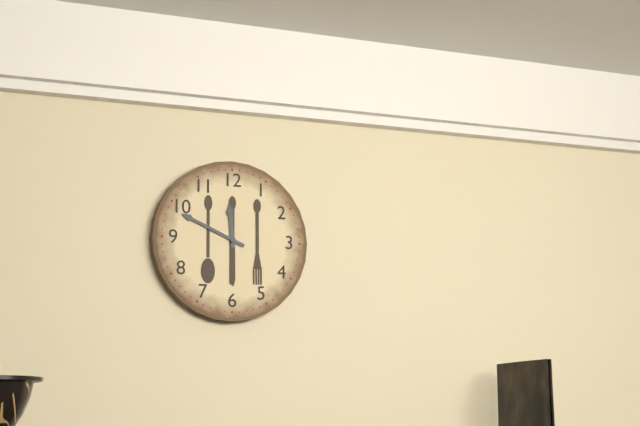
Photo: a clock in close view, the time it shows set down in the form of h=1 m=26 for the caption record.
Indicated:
h=11 m=49
